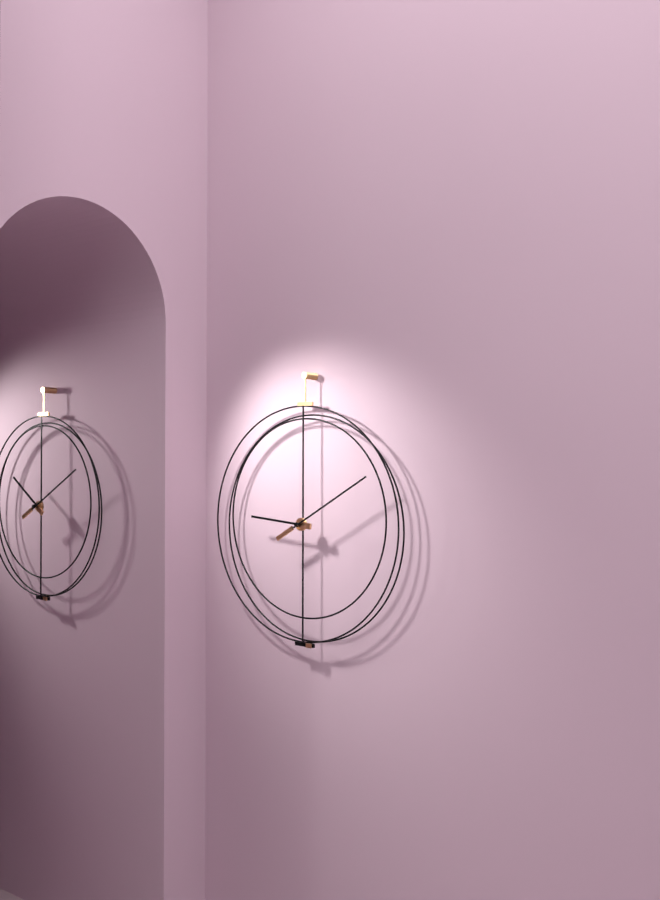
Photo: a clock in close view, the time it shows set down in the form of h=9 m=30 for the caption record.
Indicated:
h=9 m=10
